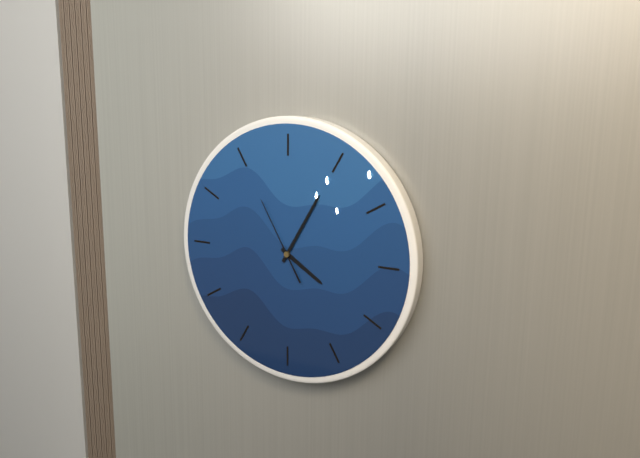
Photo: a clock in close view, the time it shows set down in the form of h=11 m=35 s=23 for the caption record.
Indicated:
h=4 m=5 s=55
